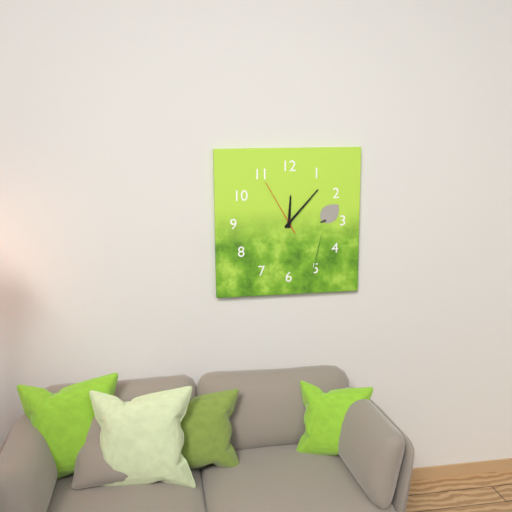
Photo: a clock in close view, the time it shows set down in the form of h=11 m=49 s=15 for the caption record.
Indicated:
h=12 m=7 s=55
